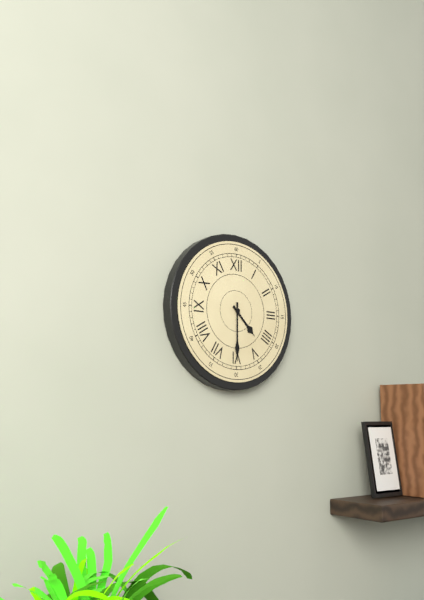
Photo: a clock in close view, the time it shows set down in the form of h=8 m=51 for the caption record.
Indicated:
h=4 m=30
